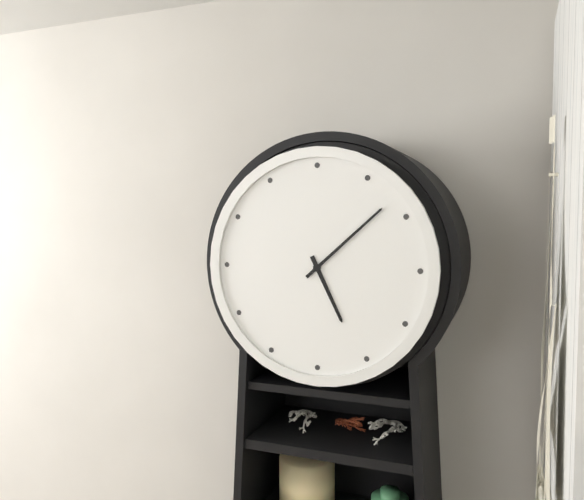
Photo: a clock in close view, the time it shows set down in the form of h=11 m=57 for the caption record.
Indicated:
h=5 m=8
